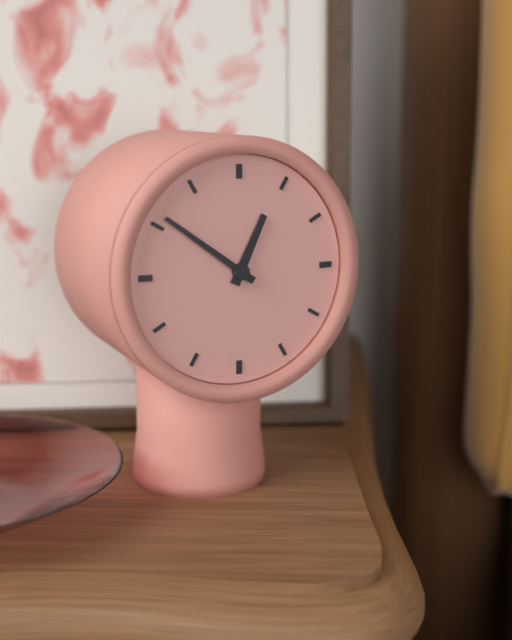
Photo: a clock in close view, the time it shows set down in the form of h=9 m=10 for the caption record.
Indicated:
h=12 m=51
